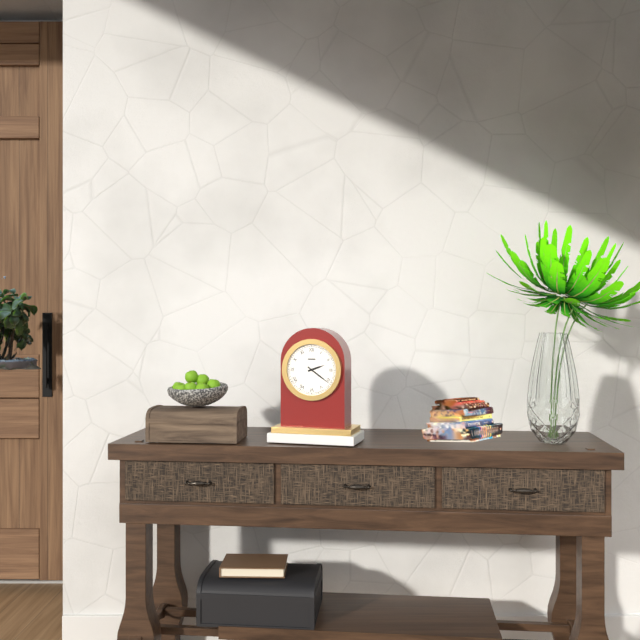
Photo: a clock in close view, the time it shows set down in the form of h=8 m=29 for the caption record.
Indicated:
h=2 m=21
